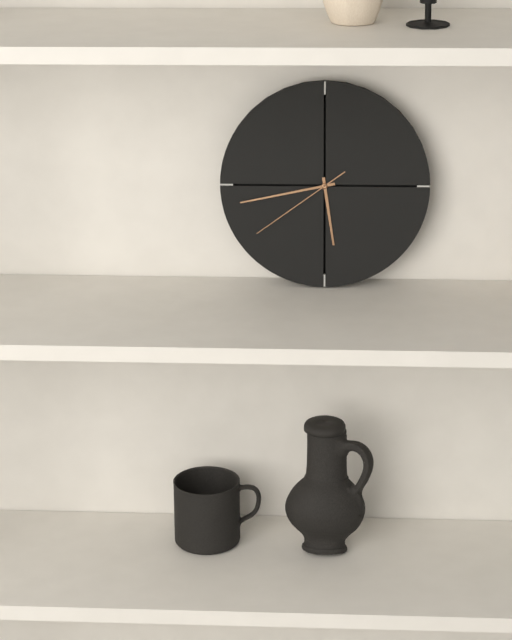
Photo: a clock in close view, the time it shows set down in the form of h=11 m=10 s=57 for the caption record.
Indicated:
h=5 m=43 s=39
